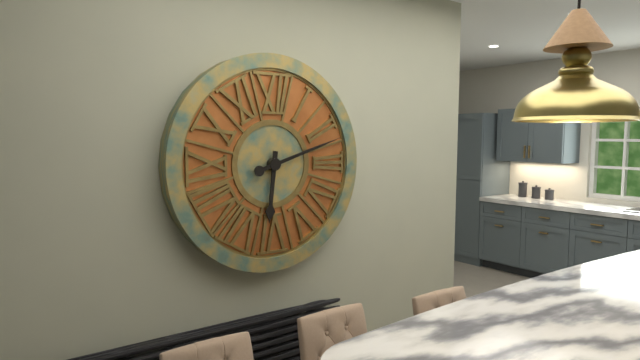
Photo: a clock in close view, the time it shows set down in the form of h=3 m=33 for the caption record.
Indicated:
h=6 m=12
